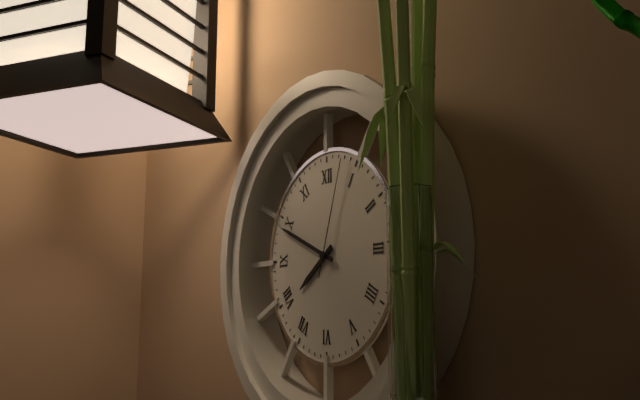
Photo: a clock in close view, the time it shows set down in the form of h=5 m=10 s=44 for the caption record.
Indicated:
h=7 m=49 s=3
